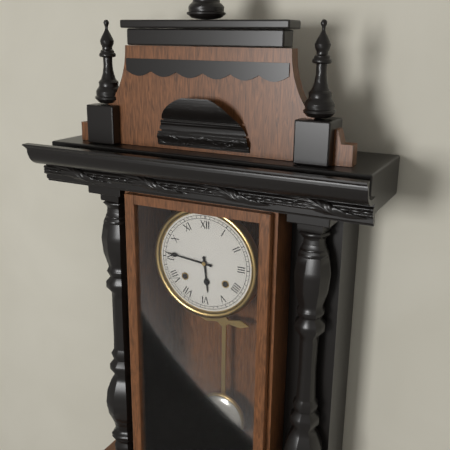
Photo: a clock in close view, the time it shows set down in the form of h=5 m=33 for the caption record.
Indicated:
h=5 m=46
